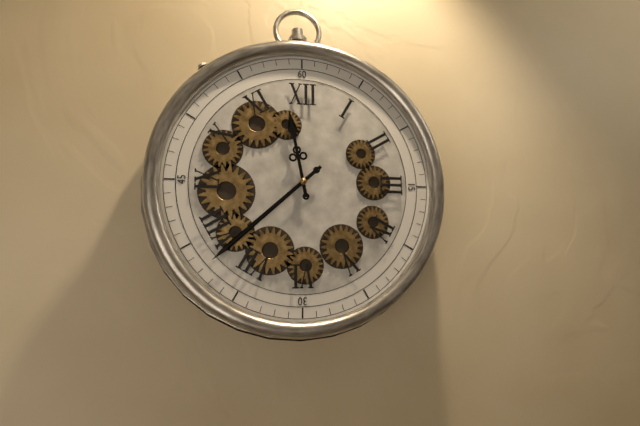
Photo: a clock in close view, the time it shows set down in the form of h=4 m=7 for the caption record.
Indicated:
h=11 m=38
